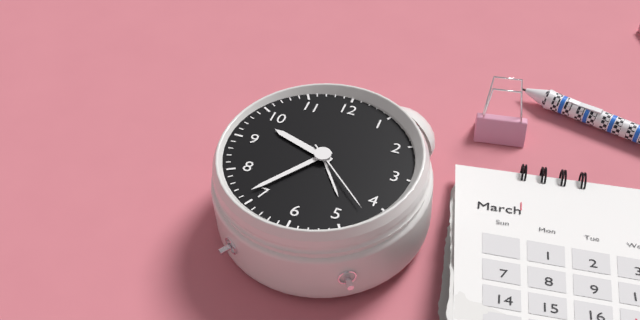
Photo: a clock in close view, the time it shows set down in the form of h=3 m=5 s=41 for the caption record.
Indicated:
h=9 m=36 s=22
